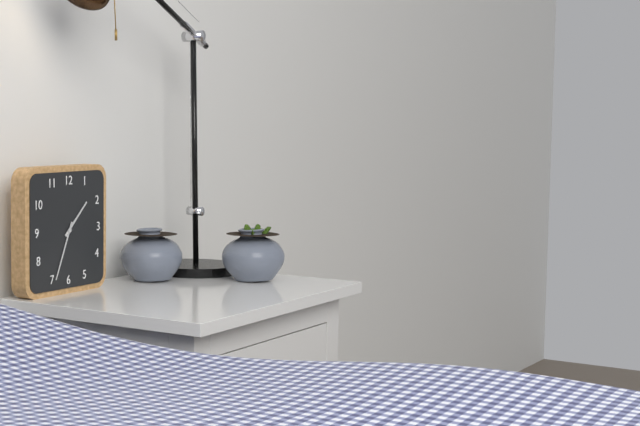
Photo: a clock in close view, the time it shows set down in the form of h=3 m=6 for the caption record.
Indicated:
h=1 m=34
